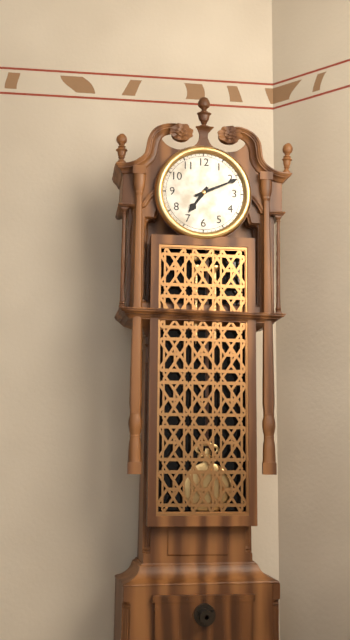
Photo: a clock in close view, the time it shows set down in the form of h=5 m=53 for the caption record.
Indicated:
h=7 m=11
